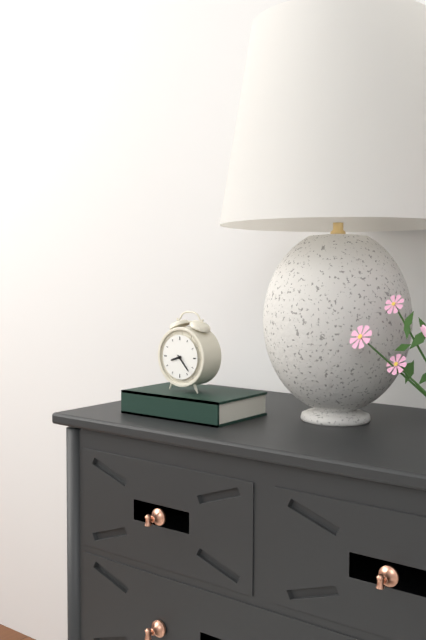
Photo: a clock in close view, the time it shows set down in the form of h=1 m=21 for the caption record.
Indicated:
h=8 m=23
